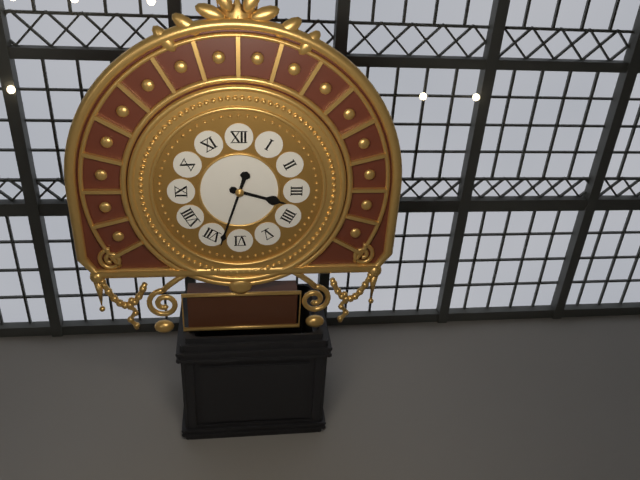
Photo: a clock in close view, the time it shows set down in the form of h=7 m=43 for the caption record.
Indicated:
h=3 m=33
